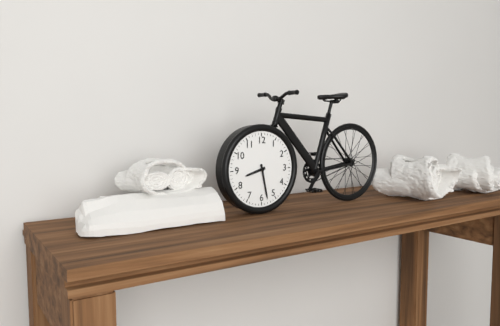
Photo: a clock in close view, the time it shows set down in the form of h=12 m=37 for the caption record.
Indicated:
h=8 m=28
